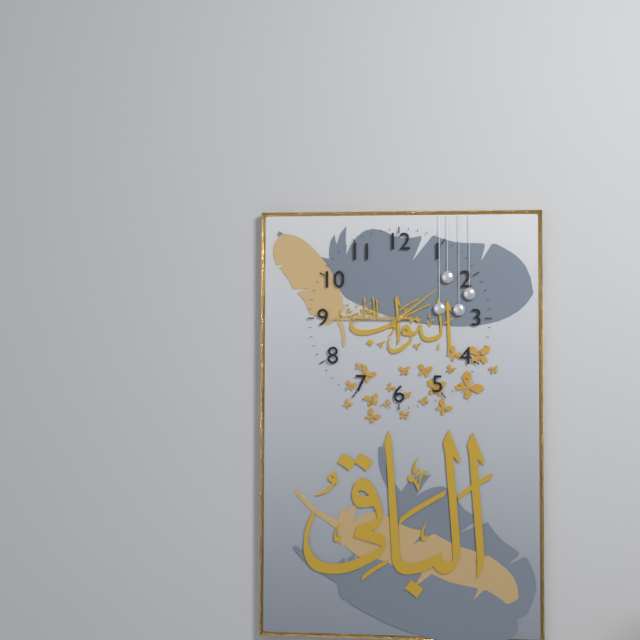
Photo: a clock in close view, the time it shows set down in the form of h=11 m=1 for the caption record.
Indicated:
h=1 m=45
